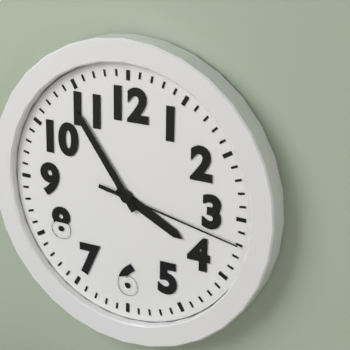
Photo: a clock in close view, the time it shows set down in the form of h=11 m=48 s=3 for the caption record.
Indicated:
h=3 m=54 s=17
